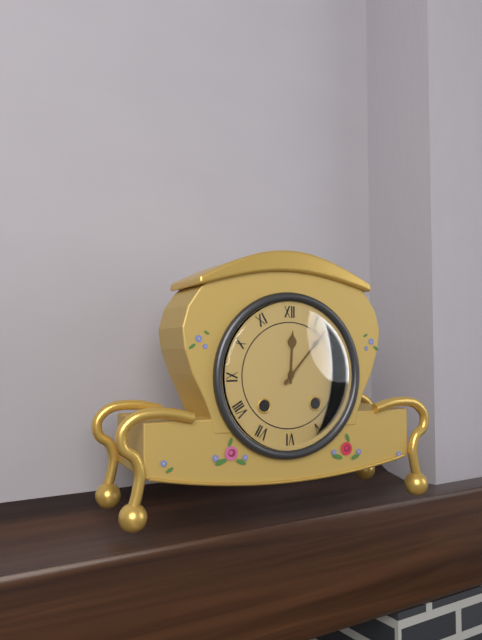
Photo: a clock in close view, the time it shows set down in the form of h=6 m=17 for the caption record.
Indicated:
h=12 m=7
